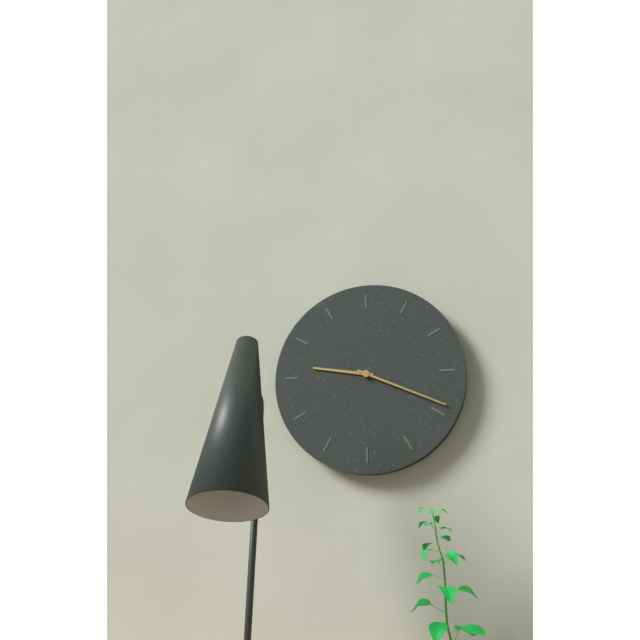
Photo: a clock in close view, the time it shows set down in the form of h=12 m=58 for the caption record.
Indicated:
h=9 m=19
